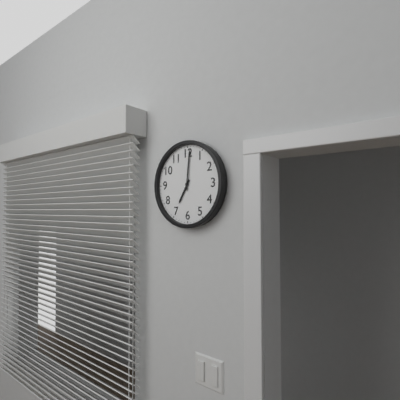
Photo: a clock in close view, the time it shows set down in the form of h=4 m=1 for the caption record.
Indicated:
h=7 m=1
